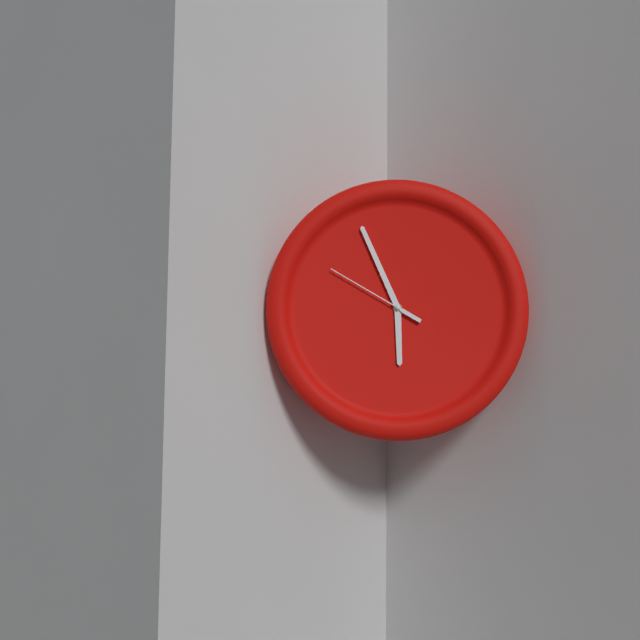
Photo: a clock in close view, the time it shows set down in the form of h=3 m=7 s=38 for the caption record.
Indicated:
h=5 m=56 s=50
